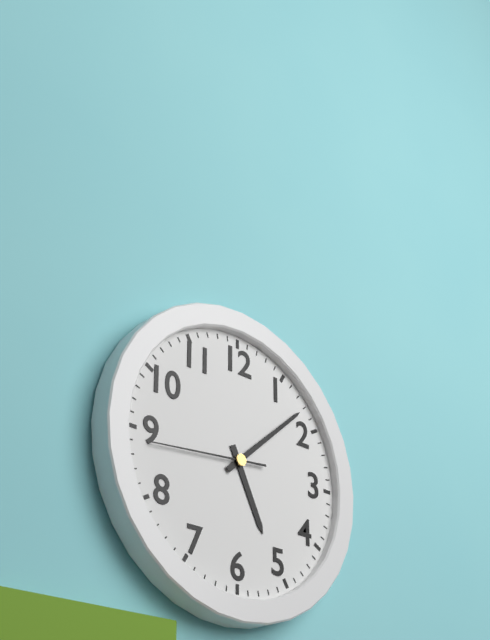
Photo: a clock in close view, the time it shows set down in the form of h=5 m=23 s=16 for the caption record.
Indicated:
h=5 m=8 s=44
